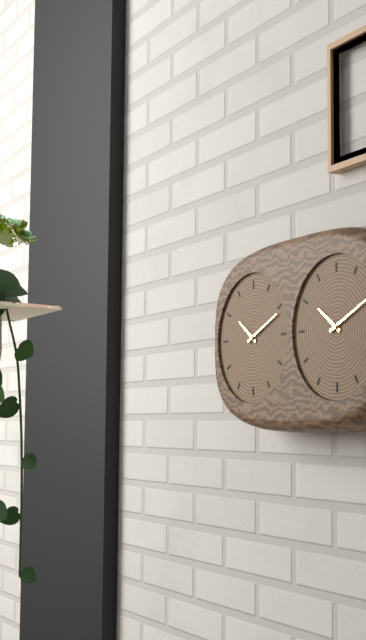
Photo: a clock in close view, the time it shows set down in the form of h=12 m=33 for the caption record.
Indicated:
h=10 m=11
